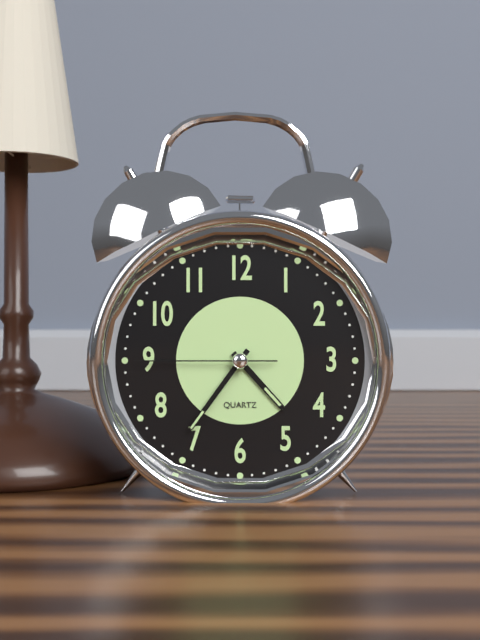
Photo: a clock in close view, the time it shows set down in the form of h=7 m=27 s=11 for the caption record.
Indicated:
h=4 m=36 s=45
